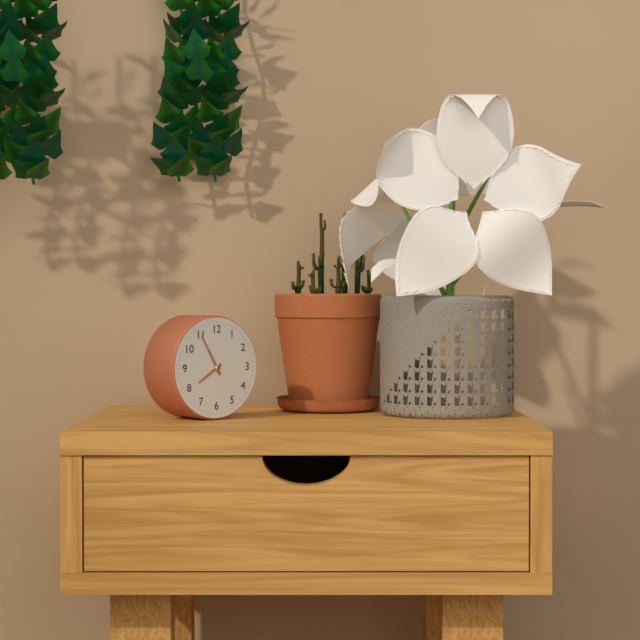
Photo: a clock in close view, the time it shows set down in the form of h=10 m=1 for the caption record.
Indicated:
h=7 m=55
